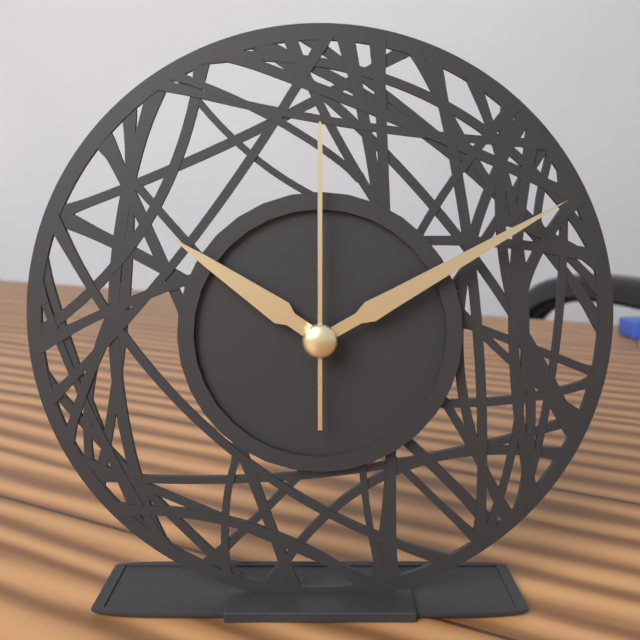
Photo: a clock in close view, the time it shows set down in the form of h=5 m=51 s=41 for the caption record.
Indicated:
h=10 m=10 s=0
